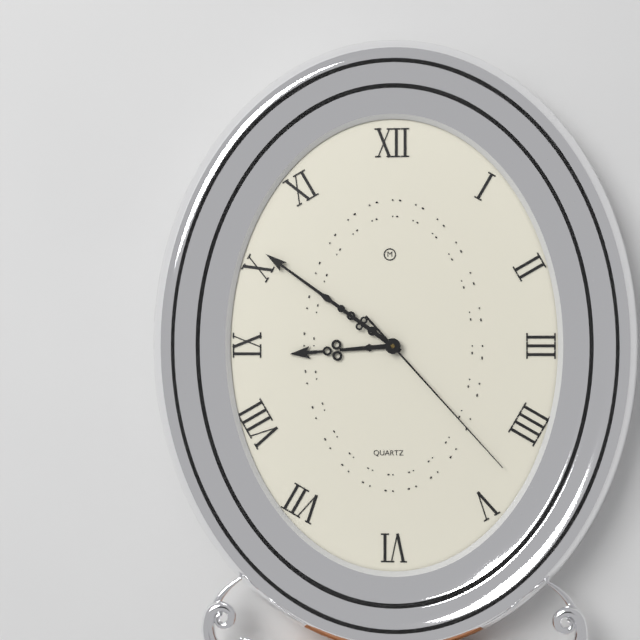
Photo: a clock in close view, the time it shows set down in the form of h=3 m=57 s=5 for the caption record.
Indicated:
h=8 m=51 s=23
